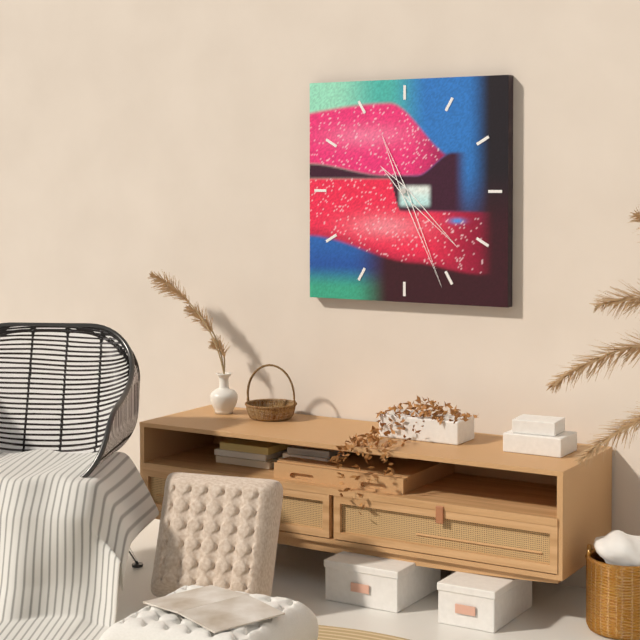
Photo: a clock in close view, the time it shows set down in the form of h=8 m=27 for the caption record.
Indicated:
h=4 m=26
